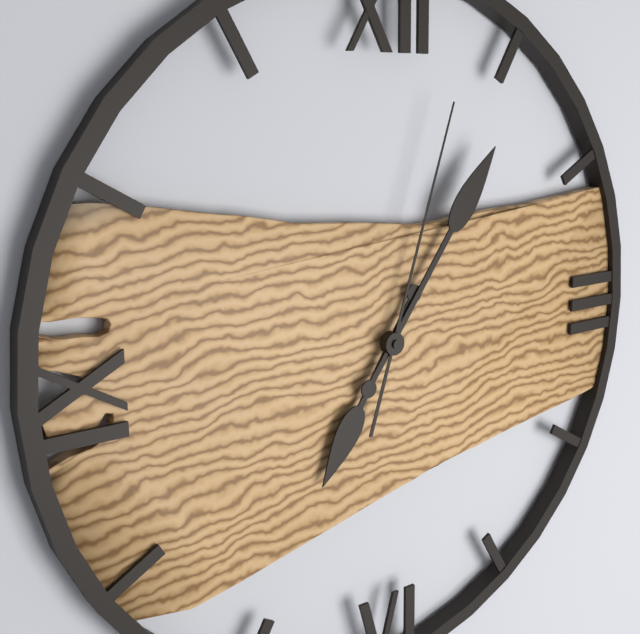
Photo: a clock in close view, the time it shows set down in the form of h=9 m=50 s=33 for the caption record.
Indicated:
h=7 m=6 s=3
